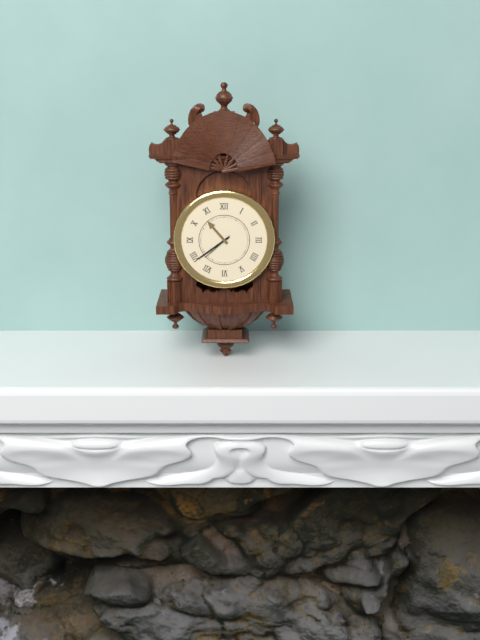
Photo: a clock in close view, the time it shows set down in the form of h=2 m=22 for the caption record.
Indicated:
h=10 m=39
